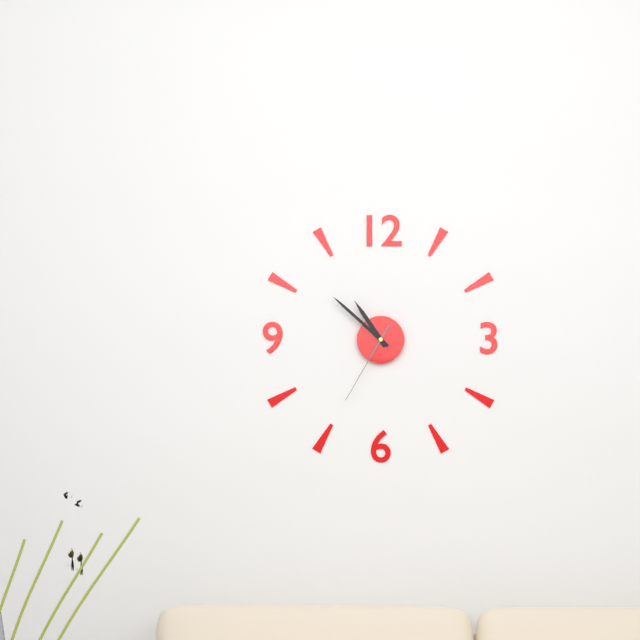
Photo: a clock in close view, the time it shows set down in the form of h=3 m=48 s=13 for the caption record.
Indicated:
h=10 m=52 s=35
